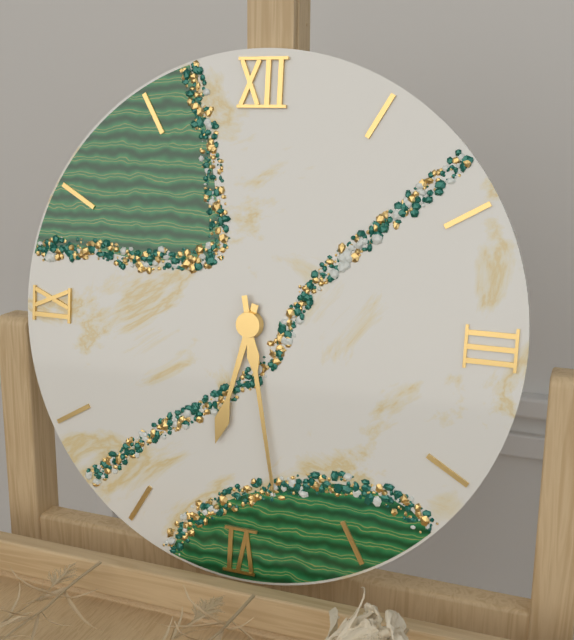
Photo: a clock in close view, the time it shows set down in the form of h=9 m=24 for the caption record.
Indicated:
h=6 m=28
